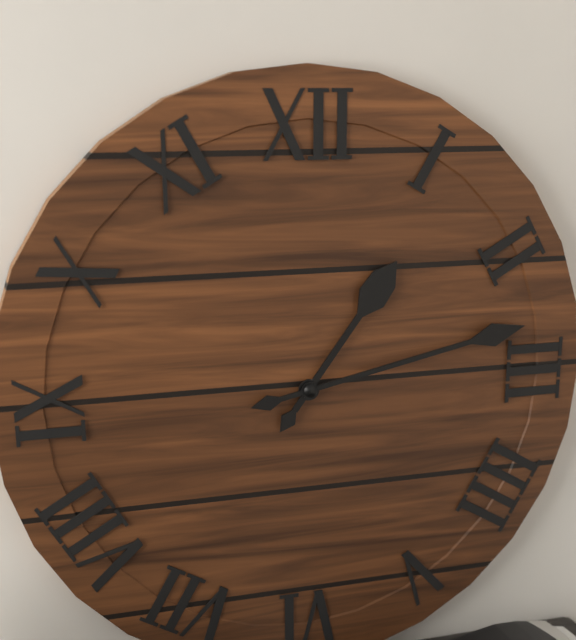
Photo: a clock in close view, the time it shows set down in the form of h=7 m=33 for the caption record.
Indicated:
h=1 m=13
